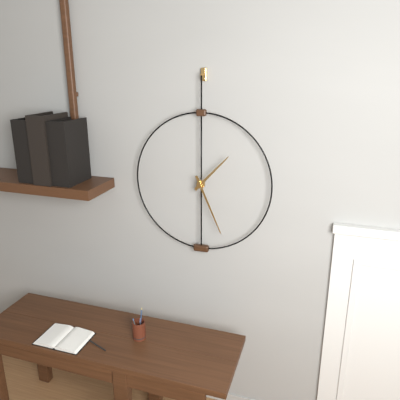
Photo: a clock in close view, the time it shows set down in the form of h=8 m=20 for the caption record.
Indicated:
h=1 m=26
